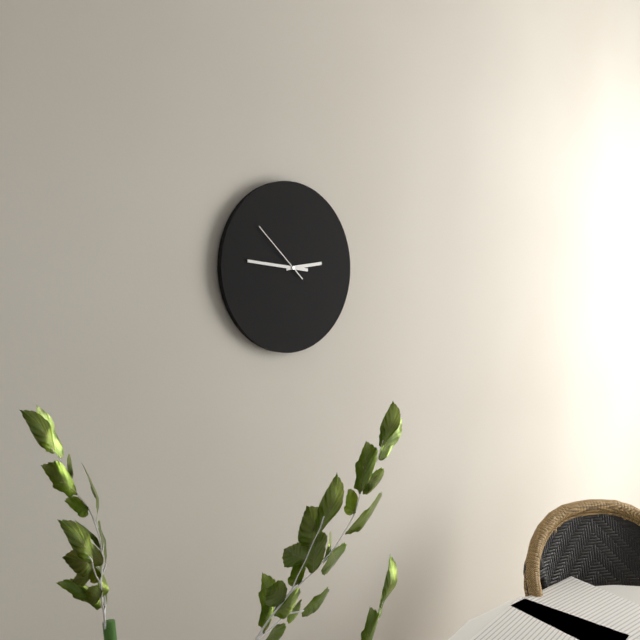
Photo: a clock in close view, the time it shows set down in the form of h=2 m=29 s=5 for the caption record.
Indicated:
h=2 m=46 s=52
